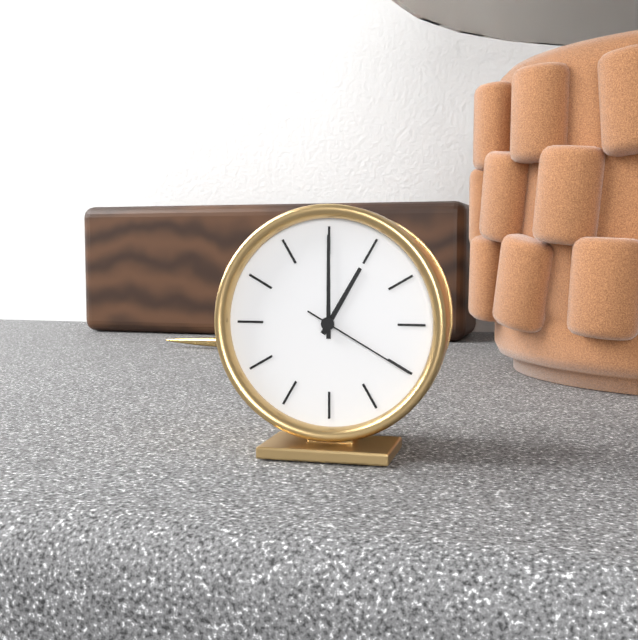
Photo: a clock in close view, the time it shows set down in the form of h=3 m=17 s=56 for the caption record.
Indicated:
h=1 m=0 s=20
